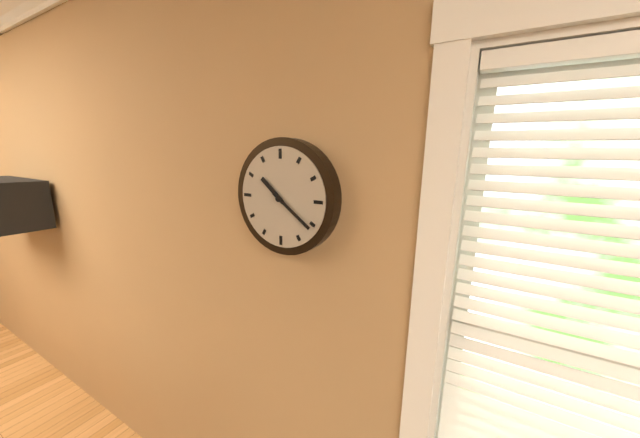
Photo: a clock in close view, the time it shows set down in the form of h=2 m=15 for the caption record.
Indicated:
h=10 m=21
